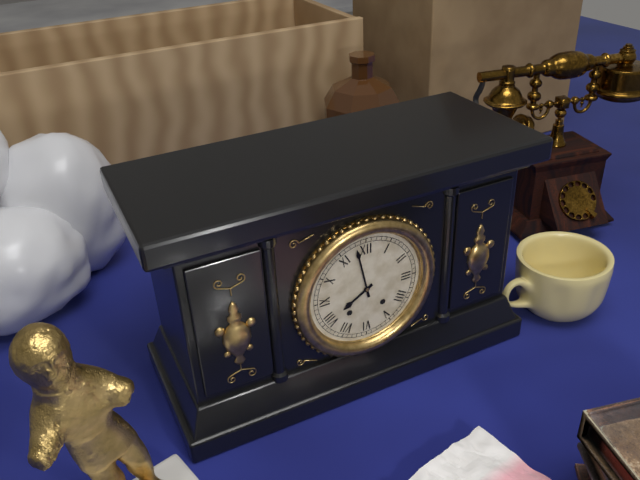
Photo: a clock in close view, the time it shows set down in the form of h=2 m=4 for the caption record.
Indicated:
h=7 m=58
